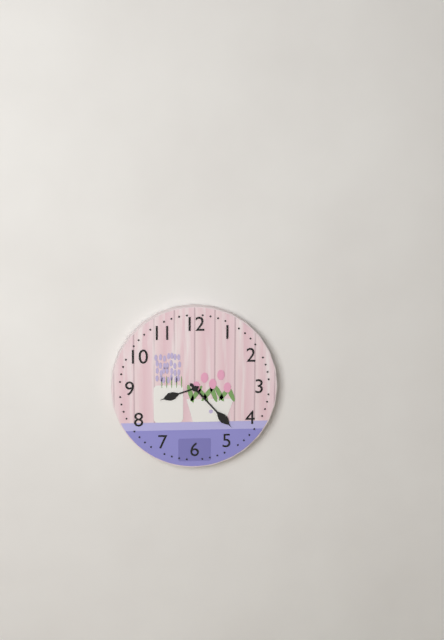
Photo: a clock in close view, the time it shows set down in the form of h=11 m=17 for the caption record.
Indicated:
h=8 m=23
